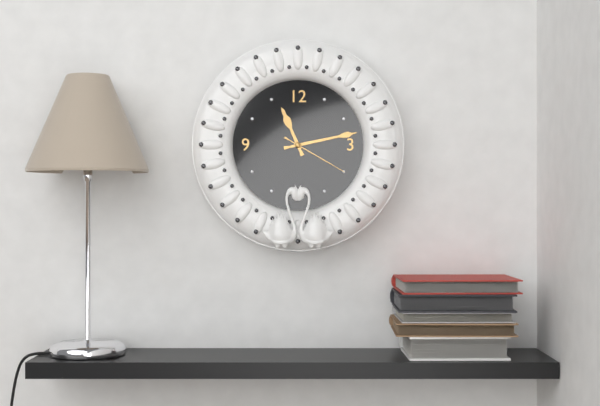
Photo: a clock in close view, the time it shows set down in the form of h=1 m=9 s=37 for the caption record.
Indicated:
h=11 m=13 s=20
